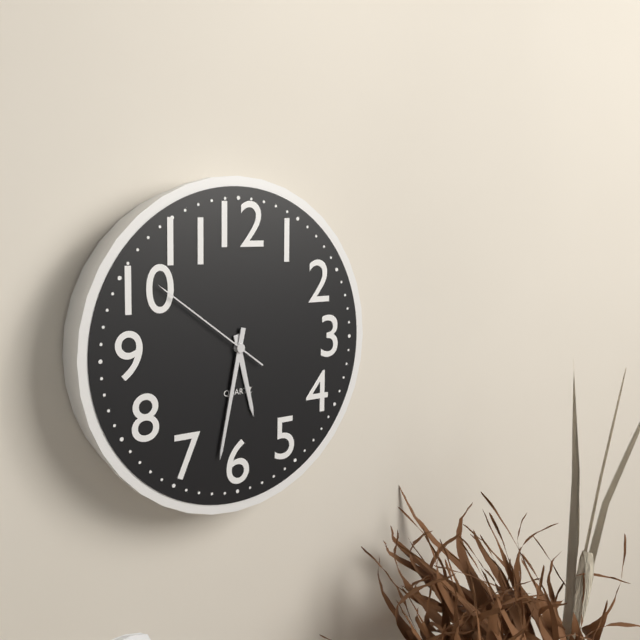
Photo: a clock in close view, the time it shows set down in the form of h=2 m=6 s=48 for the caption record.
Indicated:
h=5 m=32 s=51
